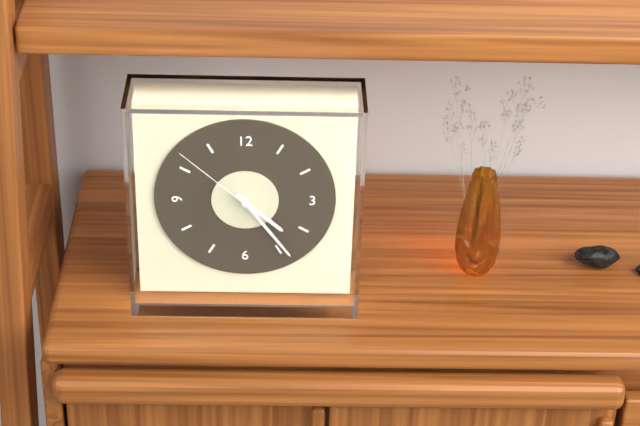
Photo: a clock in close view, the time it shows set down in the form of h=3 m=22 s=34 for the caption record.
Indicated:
h=4 m=24 s=52
